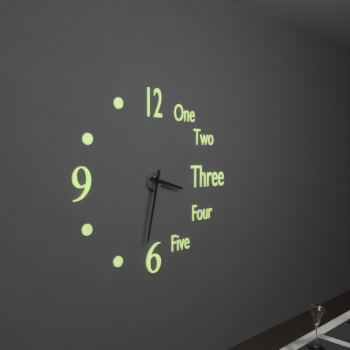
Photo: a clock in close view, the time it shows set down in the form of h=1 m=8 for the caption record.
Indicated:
h=3 m=32
